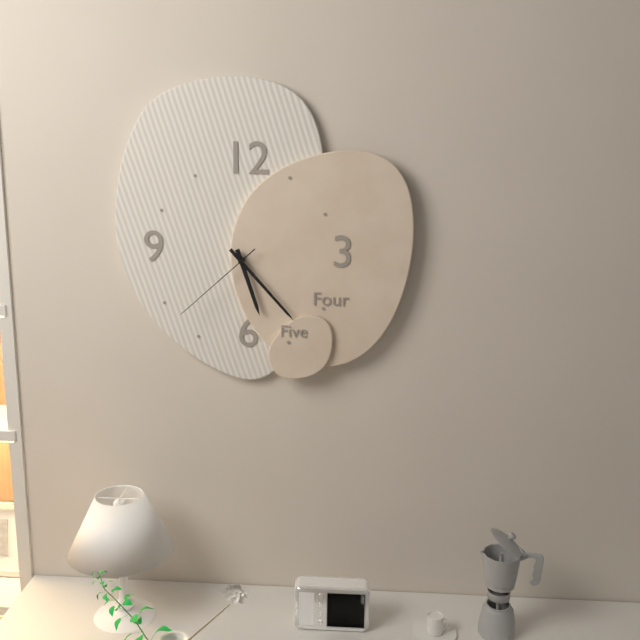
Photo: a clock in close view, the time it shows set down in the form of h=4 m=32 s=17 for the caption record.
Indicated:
h=5 m=23 s=38
